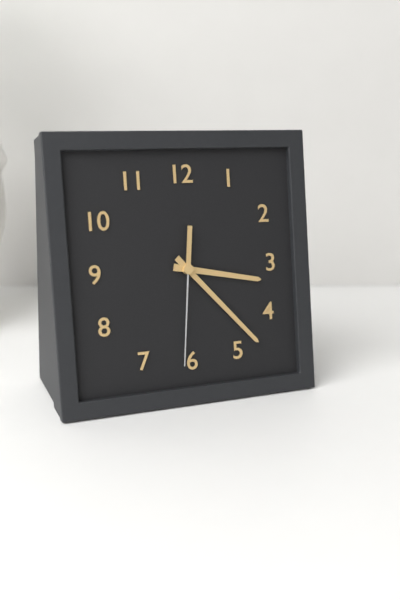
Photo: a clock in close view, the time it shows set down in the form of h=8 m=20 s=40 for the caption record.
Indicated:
h=3 m=23 s=31
